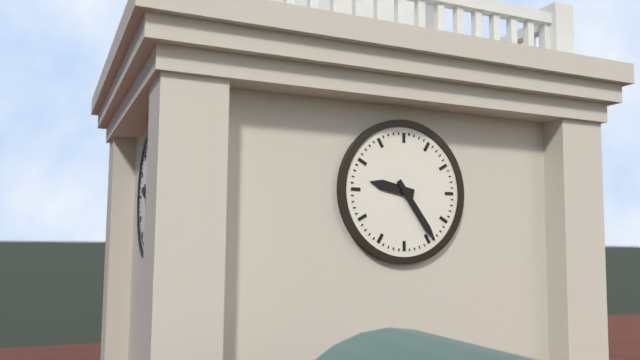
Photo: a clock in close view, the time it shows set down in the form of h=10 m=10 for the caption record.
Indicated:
h=9 m=24
